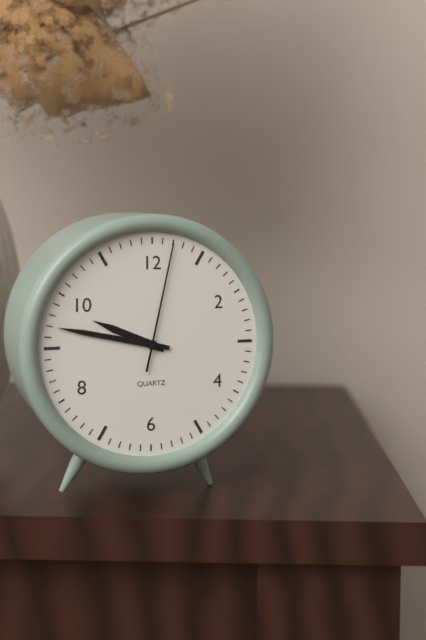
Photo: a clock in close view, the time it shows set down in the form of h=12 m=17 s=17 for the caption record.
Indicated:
h=9 m=47 s=2
